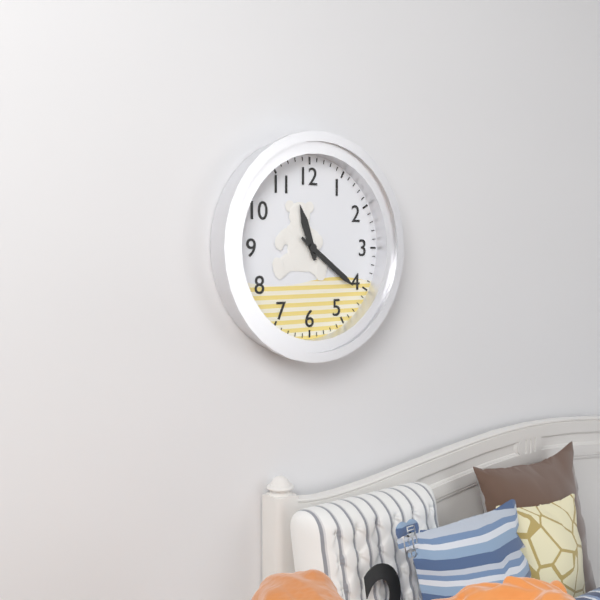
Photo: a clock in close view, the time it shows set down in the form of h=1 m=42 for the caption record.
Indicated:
h=11 m=21
